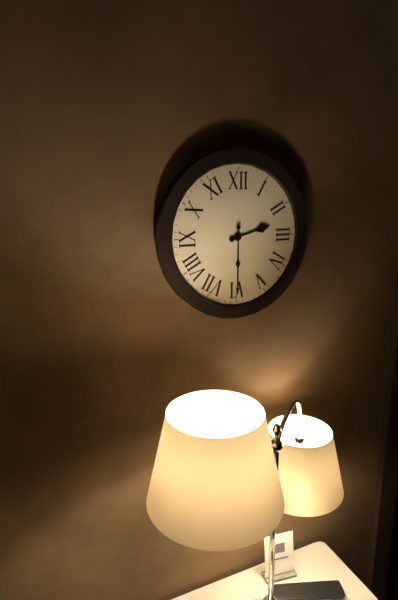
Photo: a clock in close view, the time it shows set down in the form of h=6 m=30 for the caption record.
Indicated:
h=2 m=30
